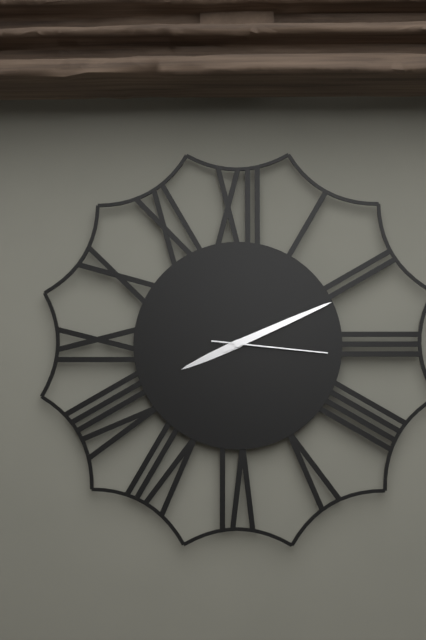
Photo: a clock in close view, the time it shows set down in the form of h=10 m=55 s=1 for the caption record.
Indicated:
h=8 m=11 s=16
